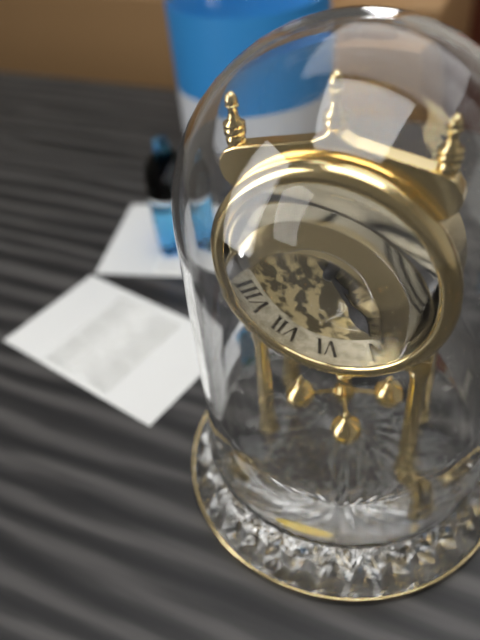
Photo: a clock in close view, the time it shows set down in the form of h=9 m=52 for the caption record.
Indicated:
h=4 m=52
